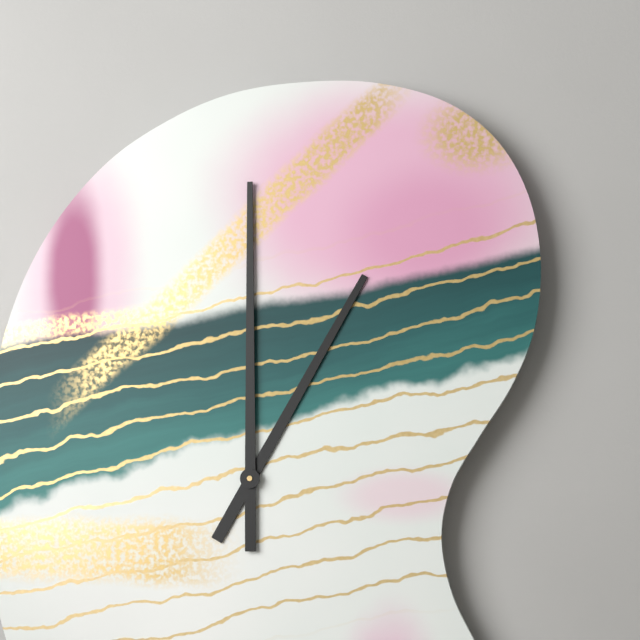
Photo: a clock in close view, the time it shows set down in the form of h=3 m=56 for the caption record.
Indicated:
h=1 m=0
